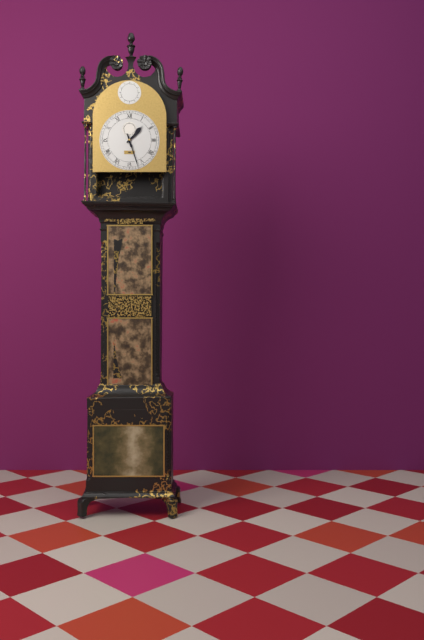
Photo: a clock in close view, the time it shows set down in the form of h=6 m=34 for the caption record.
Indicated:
h=1 m=27
